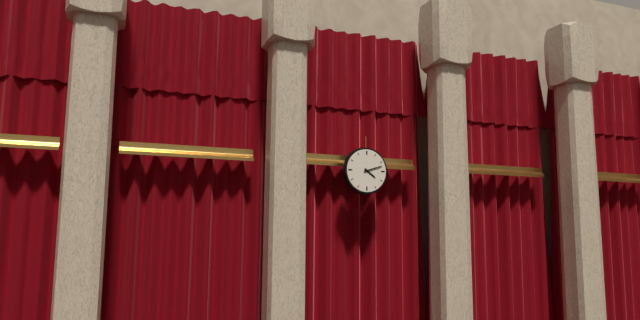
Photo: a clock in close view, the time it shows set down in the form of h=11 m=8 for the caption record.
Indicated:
h=4 m=12
